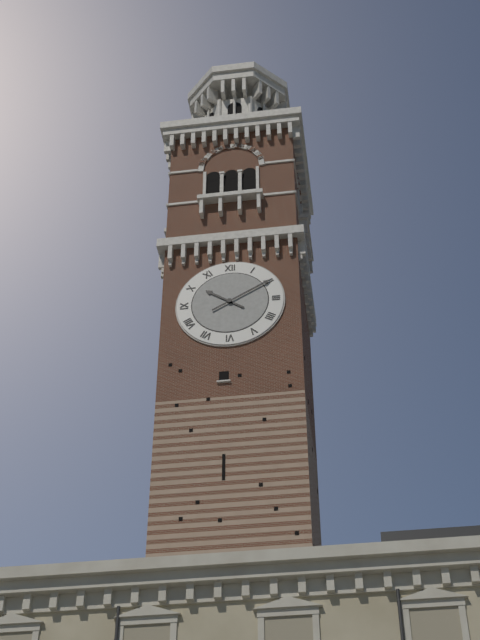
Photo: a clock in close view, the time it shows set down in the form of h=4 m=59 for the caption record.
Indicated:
h=10 m=10
